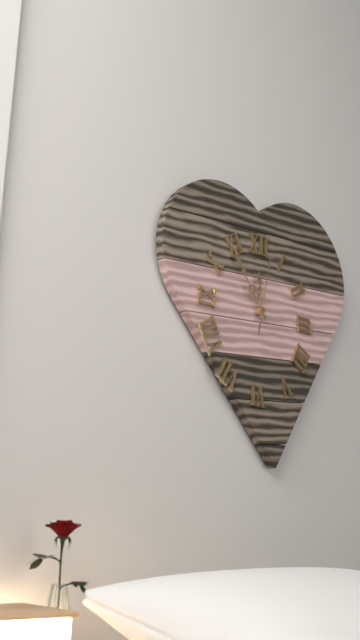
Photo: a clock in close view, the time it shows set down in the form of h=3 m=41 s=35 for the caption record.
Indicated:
h=11 m=54 s=2
